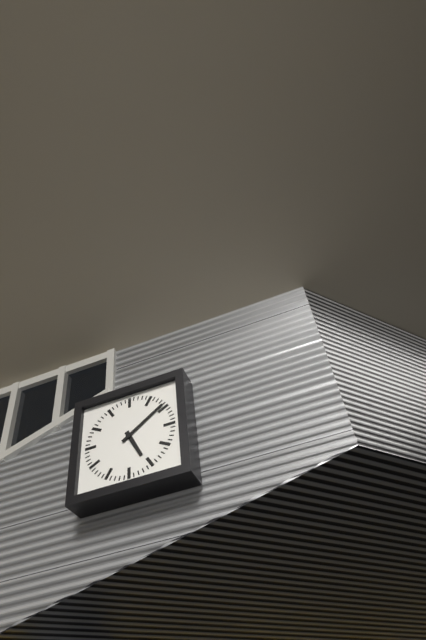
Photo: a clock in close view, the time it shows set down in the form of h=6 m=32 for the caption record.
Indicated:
h=5 m=9
